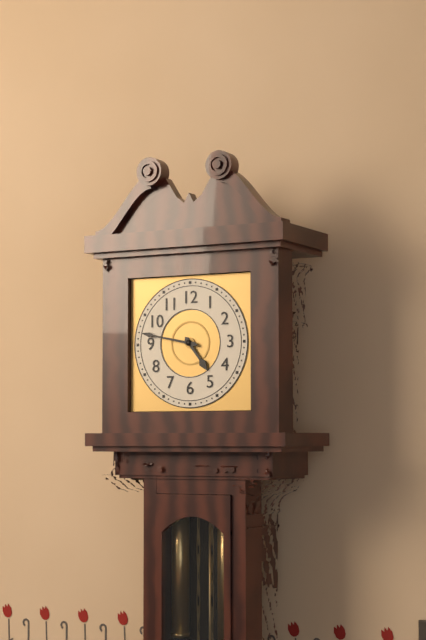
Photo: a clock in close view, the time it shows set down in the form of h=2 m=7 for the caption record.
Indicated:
h=4 m=47
